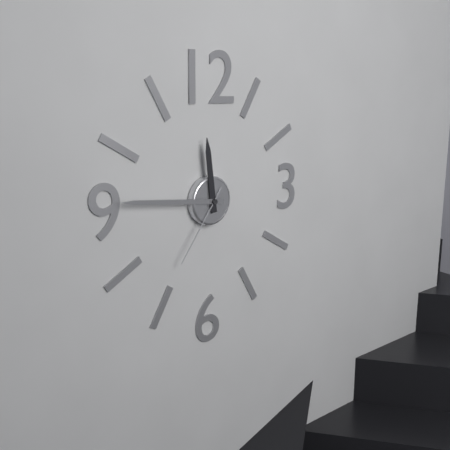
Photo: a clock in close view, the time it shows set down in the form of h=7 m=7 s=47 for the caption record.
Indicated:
h=11 m=46 s=36
